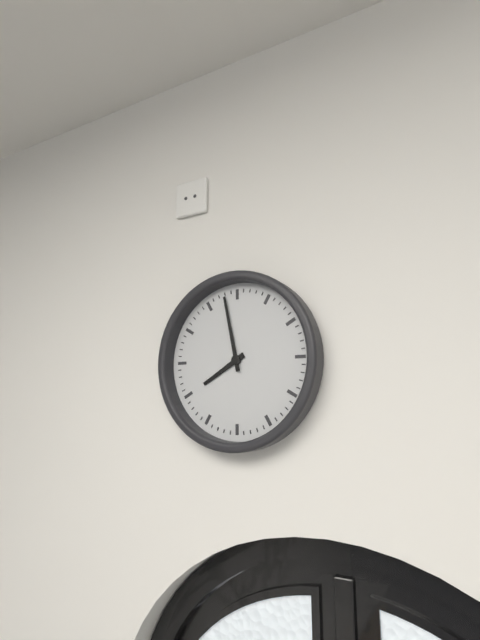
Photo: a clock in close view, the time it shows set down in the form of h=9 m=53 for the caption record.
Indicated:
h=7 m=58
